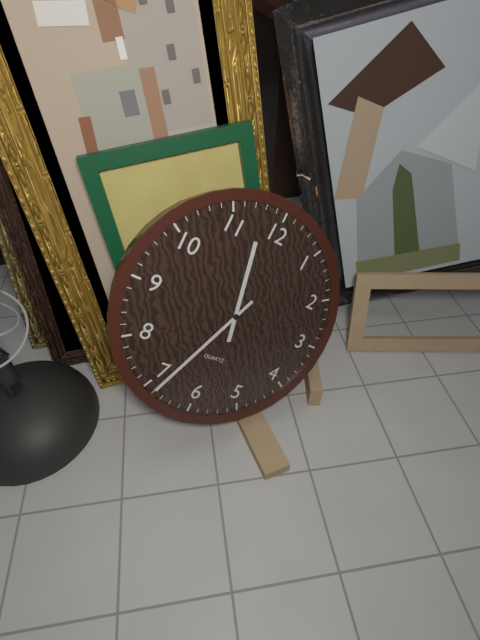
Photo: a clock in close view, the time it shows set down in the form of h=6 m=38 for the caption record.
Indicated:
h=11 m=34
